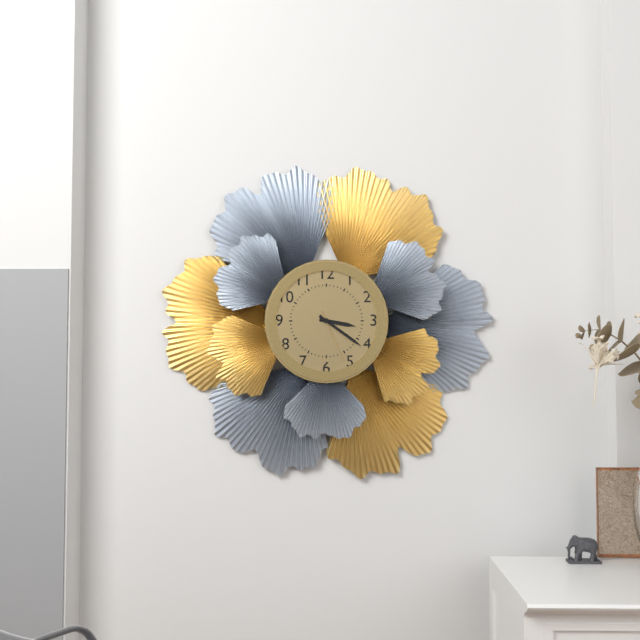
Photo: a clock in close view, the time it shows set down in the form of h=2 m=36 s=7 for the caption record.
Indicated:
h=3 m=21 s=26
